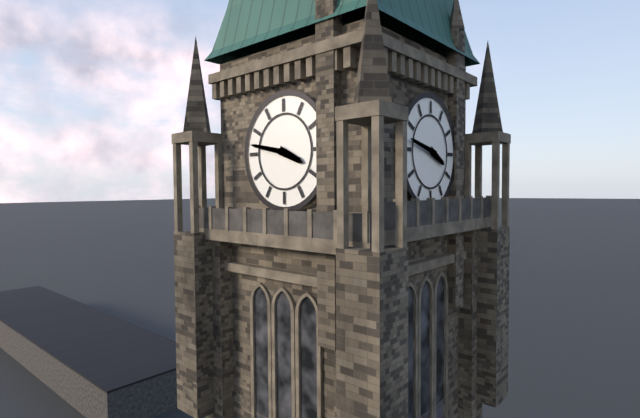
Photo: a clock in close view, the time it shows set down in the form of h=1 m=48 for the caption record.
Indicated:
h=3 m=47
